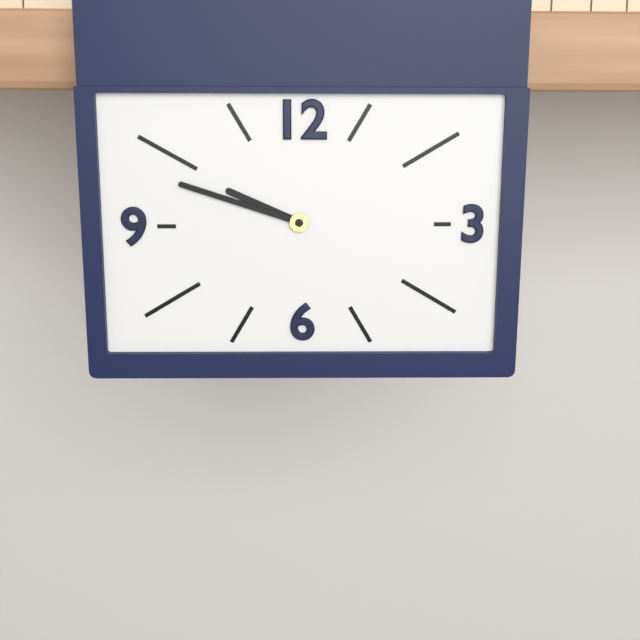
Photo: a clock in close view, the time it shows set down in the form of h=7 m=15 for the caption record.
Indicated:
h=9 m=48
